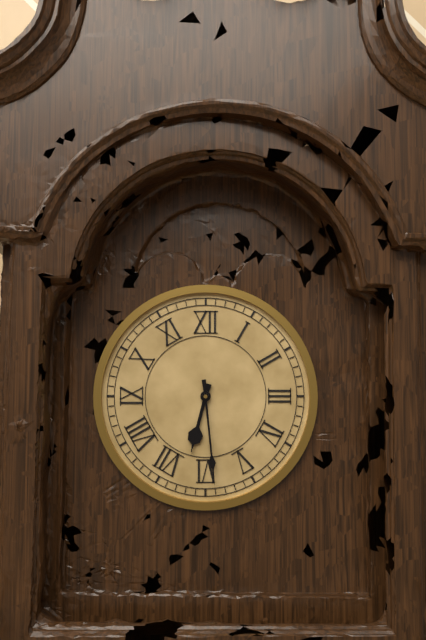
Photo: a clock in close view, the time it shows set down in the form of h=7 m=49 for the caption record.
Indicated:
h=6 m=29
